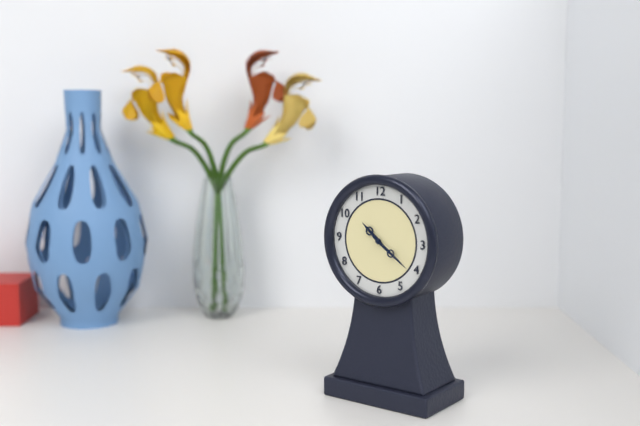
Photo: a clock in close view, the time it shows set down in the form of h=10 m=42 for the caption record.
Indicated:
h=10 m=21
